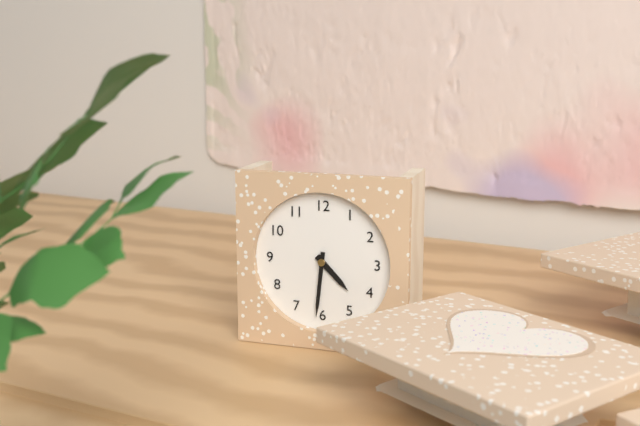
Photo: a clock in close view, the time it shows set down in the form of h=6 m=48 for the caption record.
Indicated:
h=4 m=31
